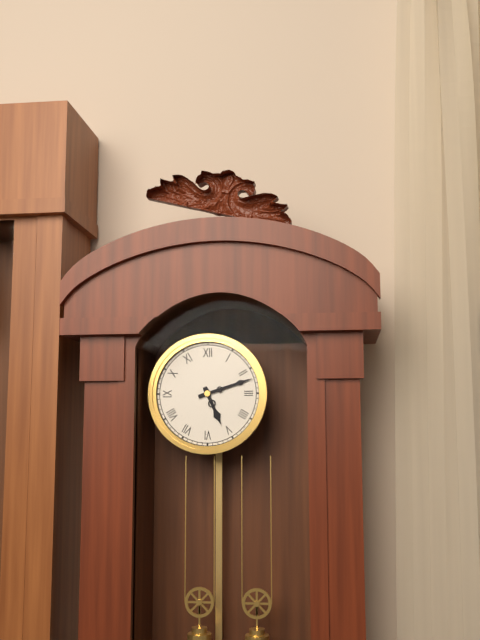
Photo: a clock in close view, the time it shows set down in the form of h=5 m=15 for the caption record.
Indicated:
h=5 m=12
